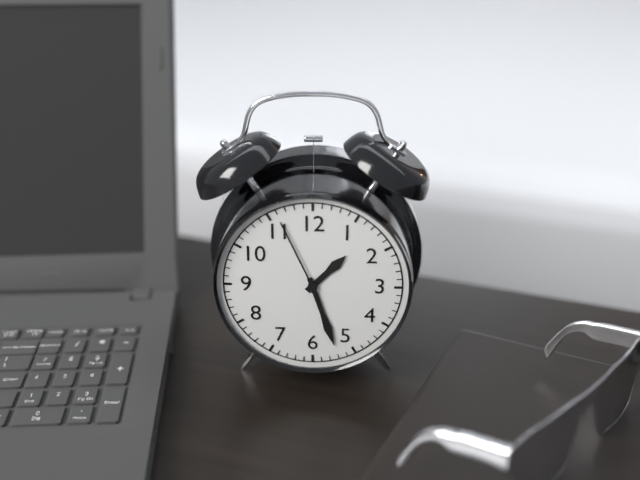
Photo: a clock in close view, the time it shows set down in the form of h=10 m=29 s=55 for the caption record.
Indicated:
h=1 m=27 s=56
